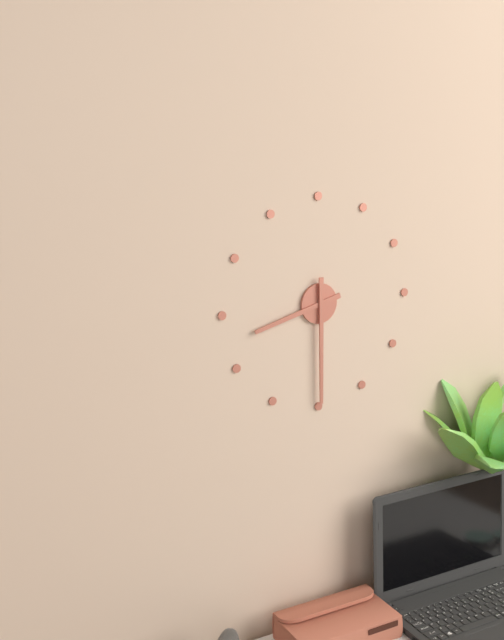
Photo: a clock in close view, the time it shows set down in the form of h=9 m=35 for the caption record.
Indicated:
h=8 m=30
